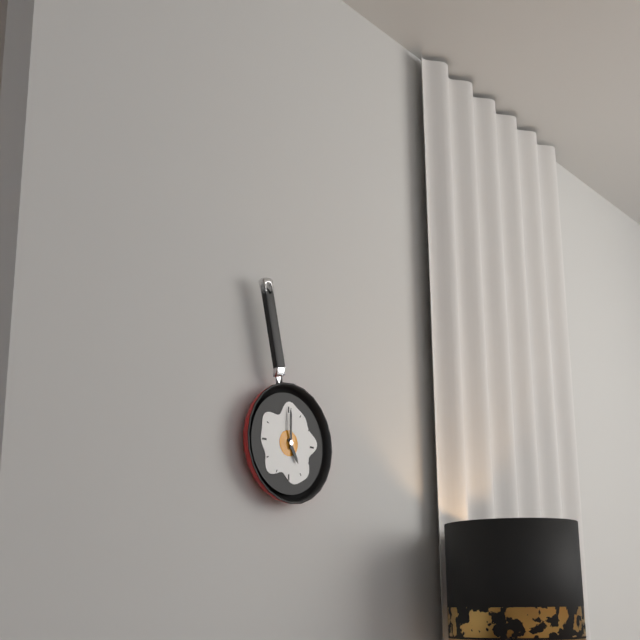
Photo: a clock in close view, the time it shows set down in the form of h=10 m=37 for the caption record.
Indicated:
h=5 m=0
